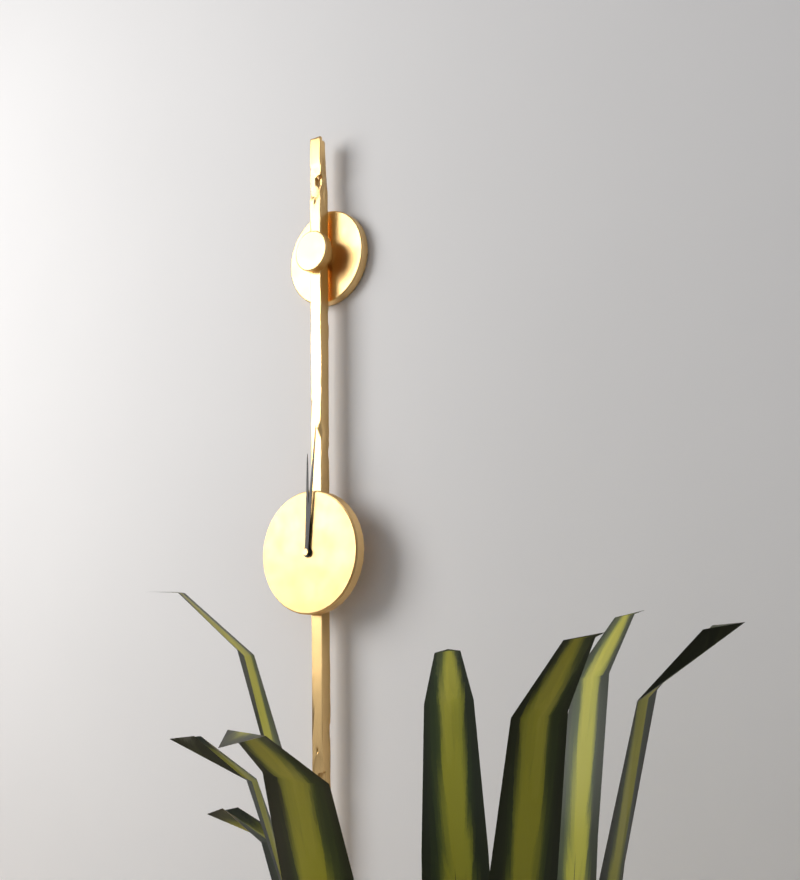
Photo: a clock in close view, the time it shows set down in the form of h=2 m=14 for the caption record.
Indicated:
h=12 m=1
